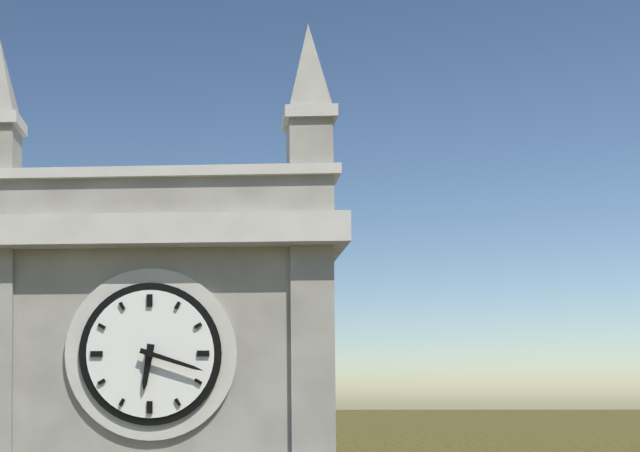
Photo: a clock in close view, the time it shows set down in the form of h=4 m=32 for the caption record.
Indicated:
h=6 m=18
